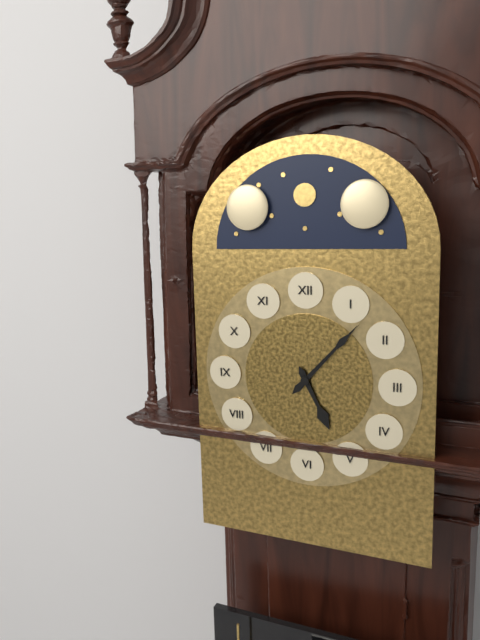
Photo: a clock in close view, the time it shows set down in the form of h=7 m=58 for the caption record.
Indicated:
h=5 m=7
